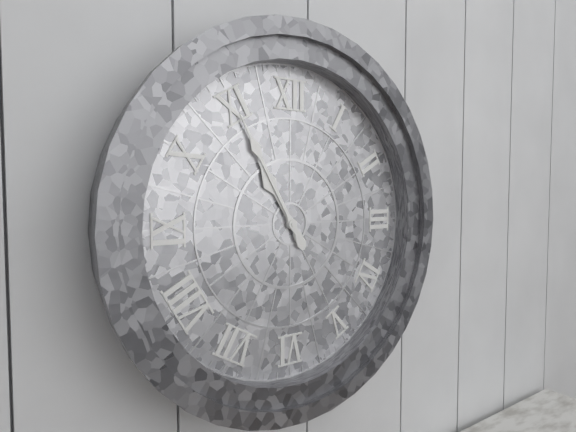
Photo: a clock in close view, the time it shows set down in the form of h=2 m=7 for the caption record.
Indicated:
h=10 m=55
